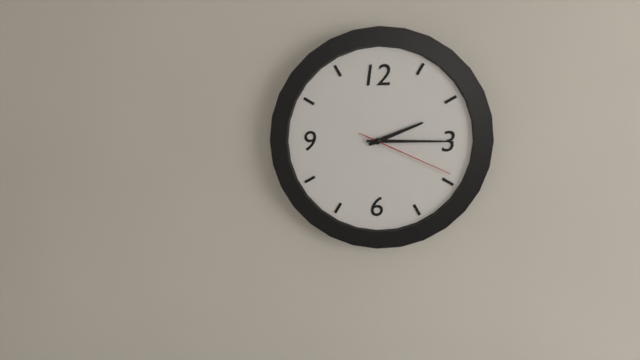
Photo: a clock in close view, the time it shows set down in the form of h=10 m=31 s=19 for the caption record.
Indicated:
h=2 m=15 s=19
